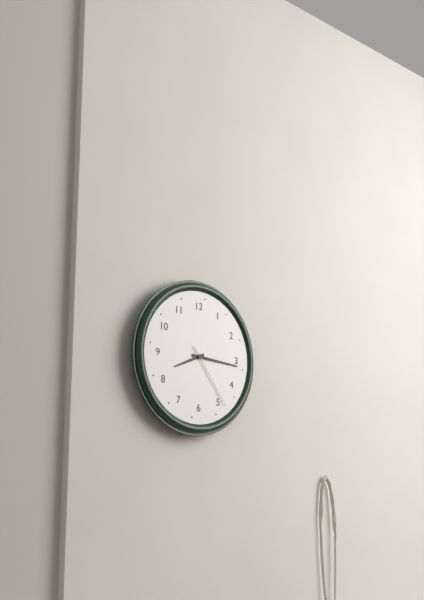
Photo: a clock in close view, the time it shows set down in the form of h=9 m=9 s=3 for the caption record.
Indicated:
h=8 m=16 s=24
